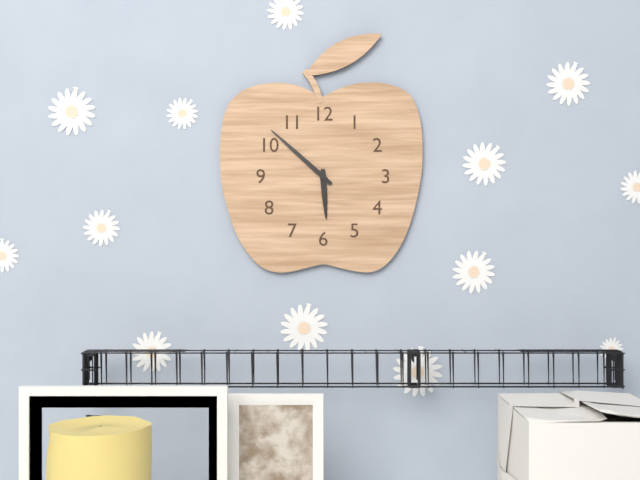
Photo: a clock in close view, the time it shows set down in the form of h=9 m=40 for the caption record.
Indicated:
h=5 m=52
